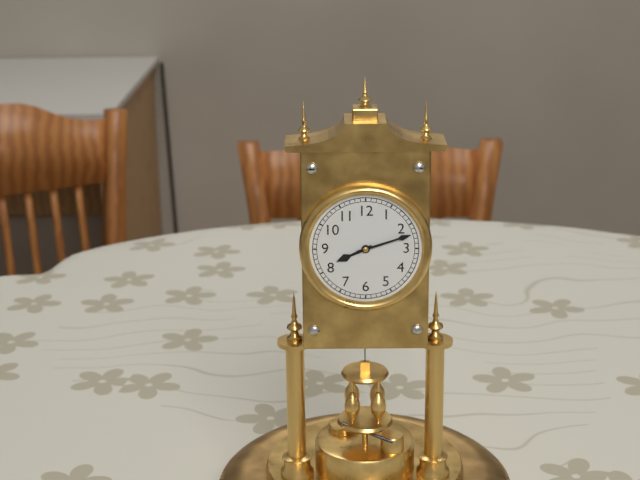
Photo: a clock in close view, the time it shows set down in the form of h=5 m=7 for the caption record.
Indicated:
h=8 m=12
